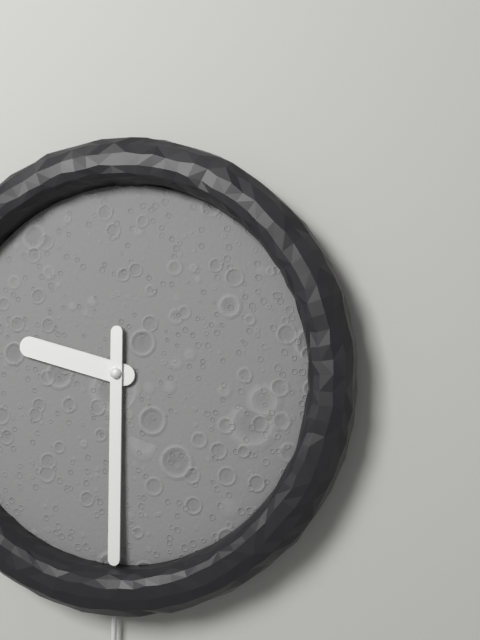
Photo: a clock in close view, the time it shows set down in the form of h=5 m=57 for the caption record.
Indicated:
h=9 m=30
